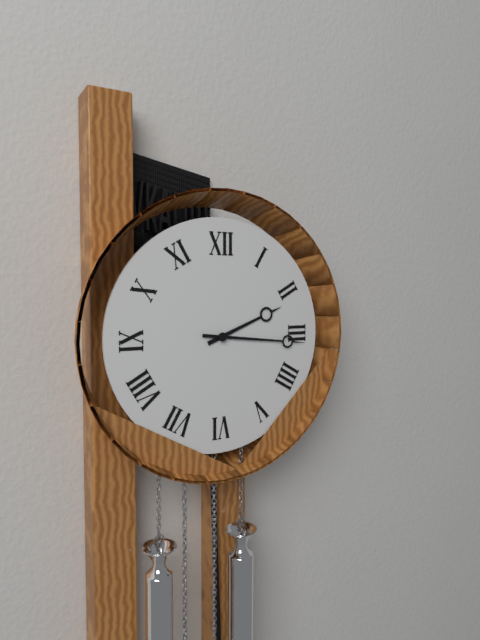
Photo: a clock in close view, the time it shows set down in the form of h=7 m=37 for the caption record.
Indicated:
h=2 m=16
